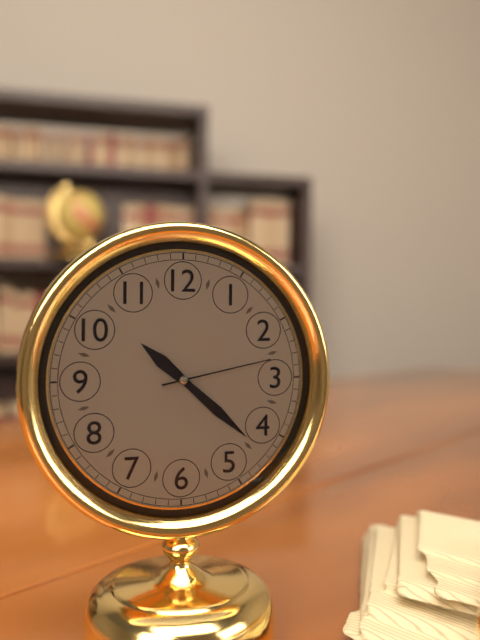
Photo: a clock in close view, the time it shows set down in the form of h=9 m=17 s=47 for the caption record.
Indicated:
h=10 m=22 s=13
